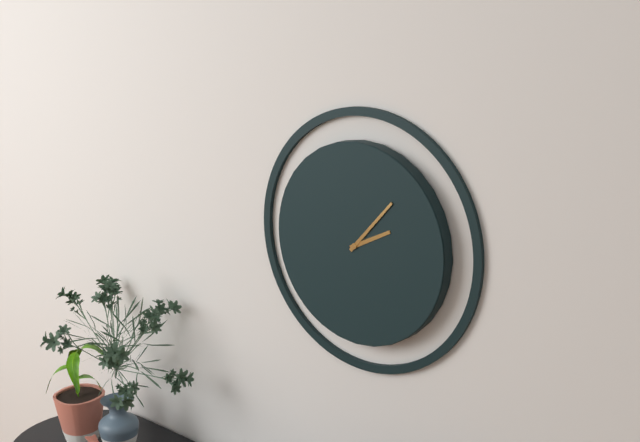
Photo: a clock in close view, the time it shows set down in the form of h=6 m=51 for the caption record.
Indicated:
h=2 m=7
